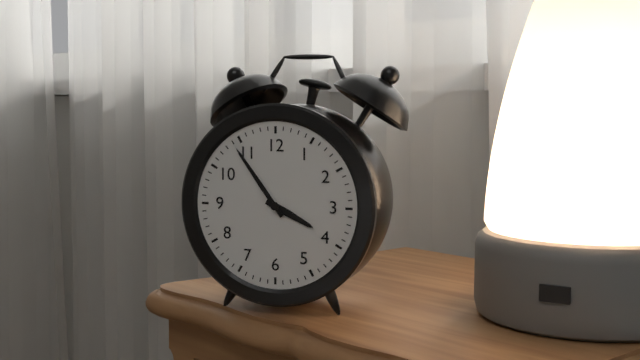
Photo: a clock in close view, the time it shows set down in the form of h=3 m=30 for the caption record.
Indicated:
h=3 m=54
